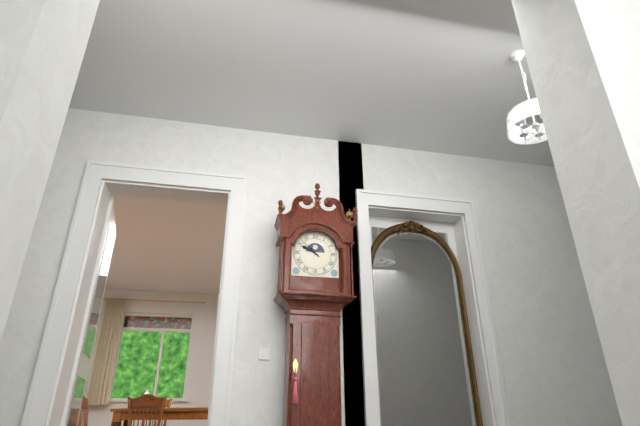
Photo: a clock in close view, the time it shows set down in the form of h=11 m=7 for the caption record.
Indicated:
h=9 m=52
